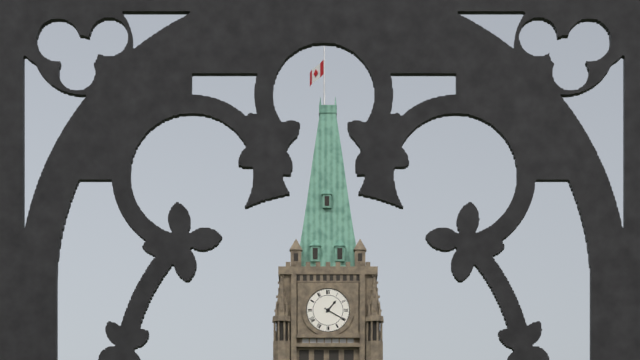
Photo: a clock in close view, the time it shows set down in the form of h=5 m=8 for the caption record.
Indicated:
h=1 m=20
